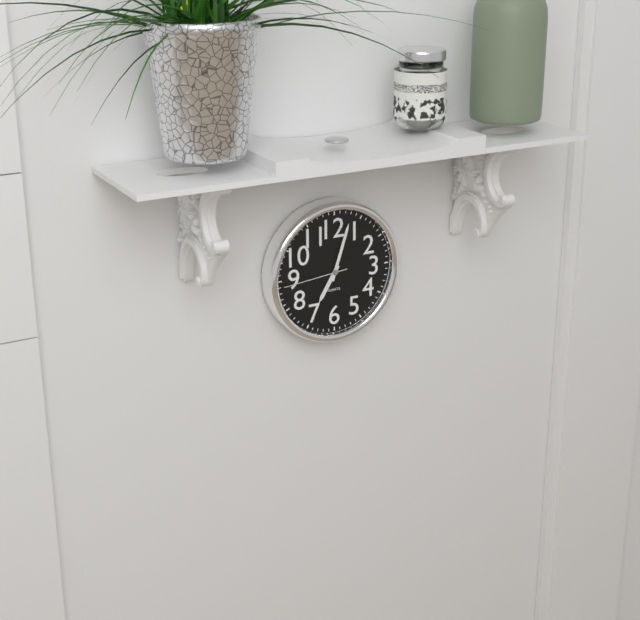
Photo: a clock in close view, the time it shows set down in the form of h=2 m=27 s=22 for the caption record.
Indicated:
h=7 m=3 s=44
